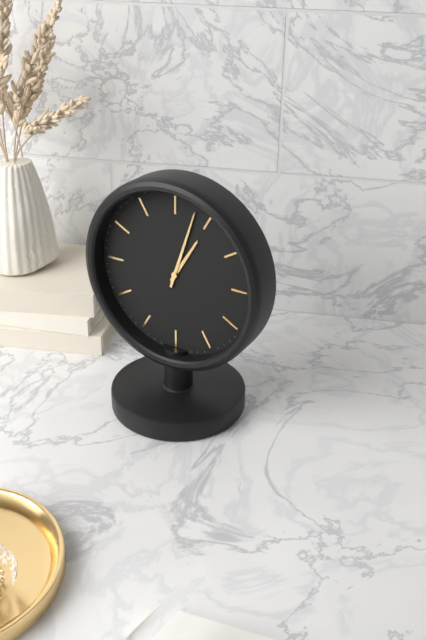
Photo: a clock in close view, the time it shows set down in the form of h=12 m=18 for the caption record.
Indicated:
h=1 m=3
